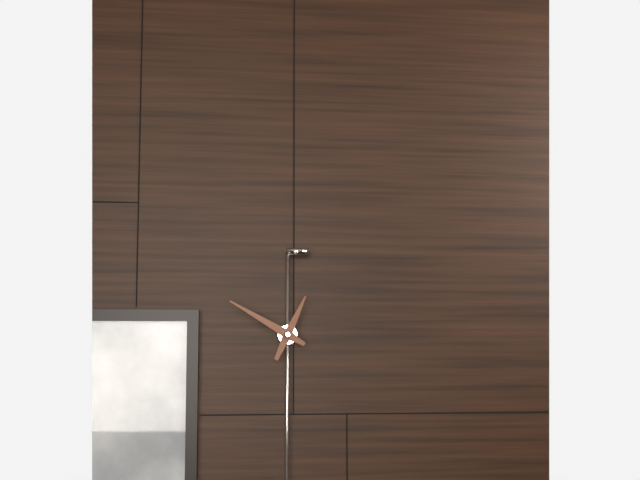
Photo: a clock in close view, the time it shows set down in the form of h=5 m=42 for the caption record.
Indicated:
h=12 m=50
